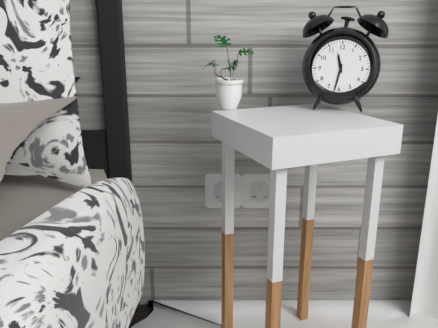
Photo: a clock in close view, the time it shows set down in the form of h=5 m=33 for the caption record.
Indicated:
h=11 m=32
